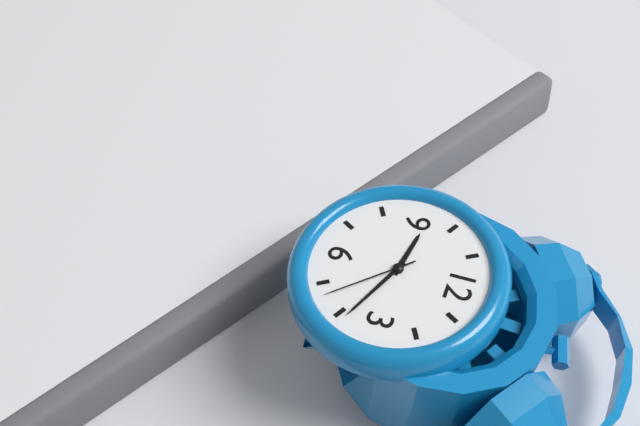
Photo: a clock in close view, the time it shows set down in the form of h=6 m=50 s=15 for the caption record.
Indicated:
h=9 m=19 s=23
